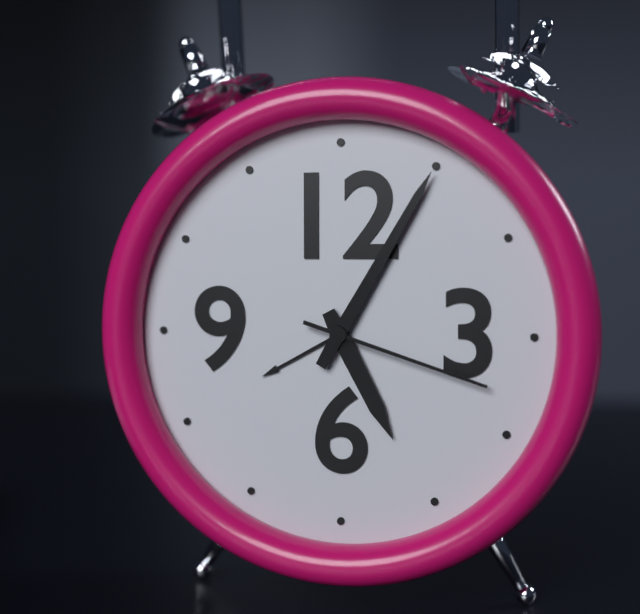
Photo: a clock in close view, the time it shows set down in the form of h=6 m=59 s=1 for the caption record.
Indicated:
h=5 m=5 s=18
